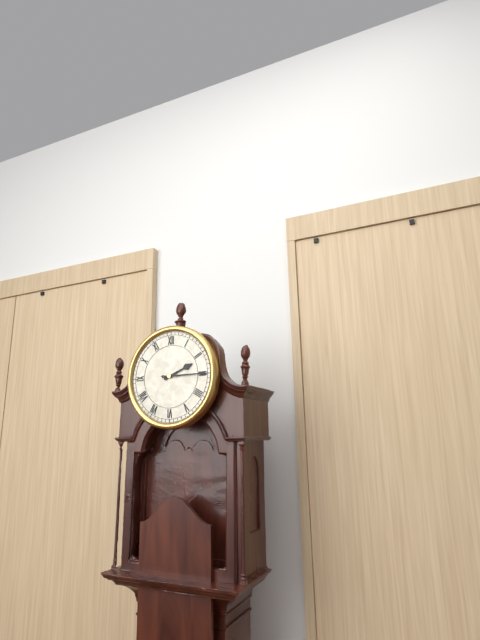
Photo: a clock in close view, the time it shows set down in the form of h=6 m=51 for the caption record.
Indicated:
h=2 m=15
